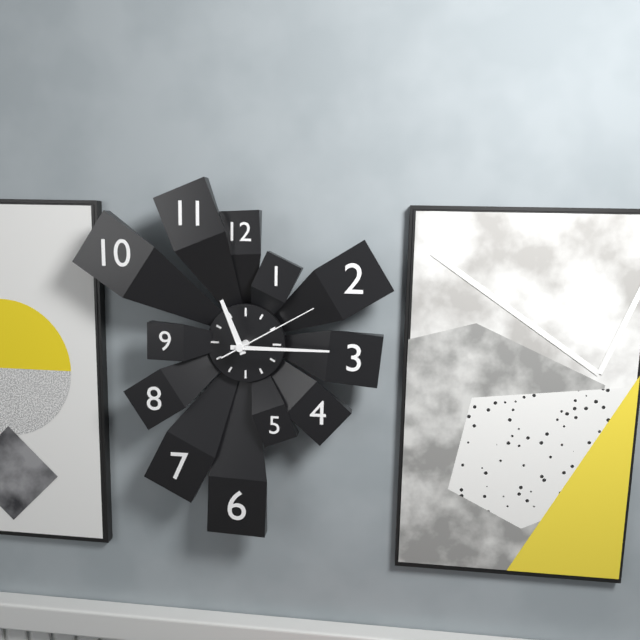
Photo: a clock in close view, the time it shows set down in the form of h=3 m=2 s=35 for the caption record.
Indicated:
h=11 m=15 s=10
